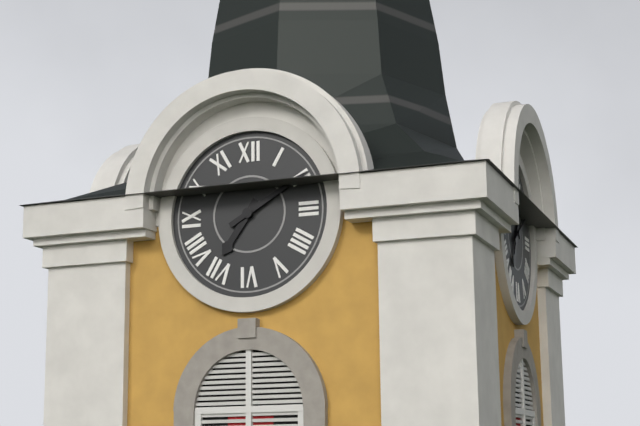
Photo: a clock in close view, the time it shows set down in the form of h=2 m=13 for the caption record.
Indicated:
h=7 m=10
